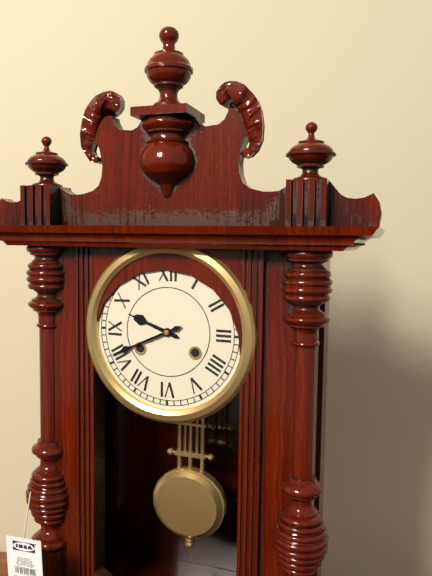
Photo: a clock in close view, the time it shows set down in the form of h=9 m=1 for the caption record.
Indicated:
h=9 m=41
